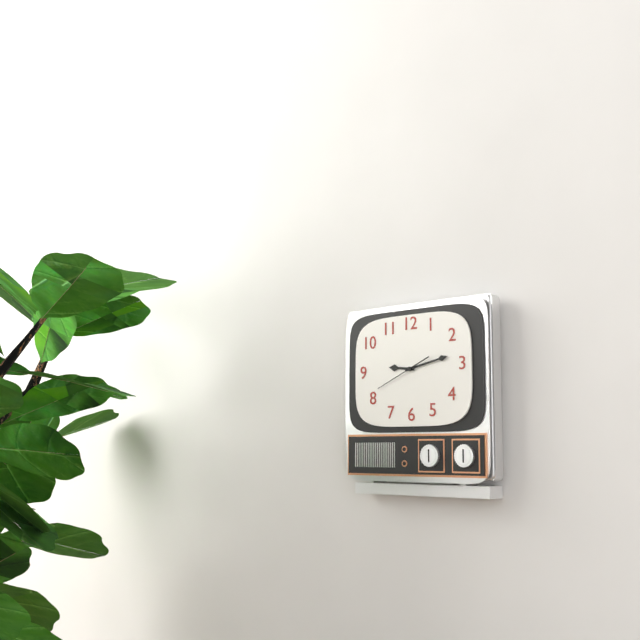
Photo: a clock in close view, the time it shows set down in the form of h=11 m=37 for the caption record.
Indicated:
h=9 m=13
